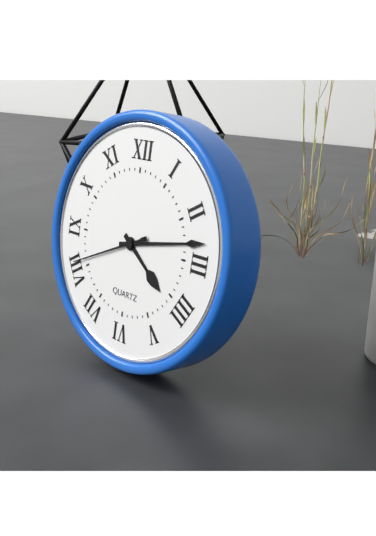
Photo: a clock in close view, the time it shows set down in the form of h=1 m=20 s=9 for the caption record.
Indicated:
h=4 m=13 s=41
